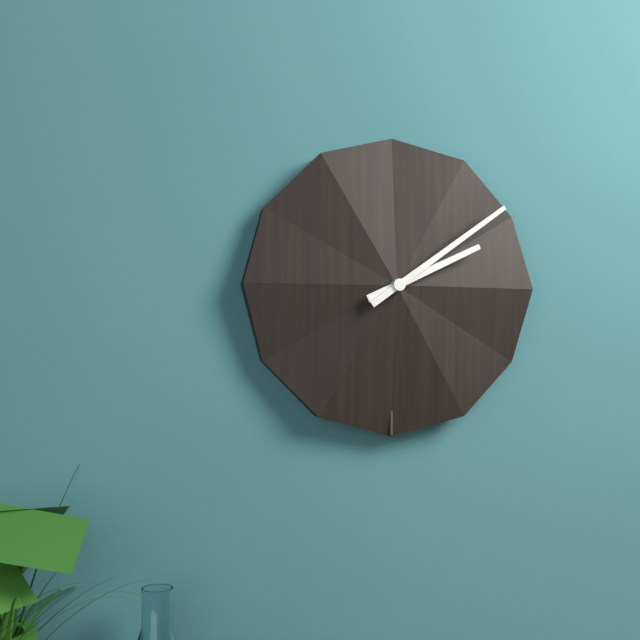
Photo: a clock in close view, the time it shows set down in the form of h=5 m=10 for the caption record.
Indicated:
h=2 m=9
